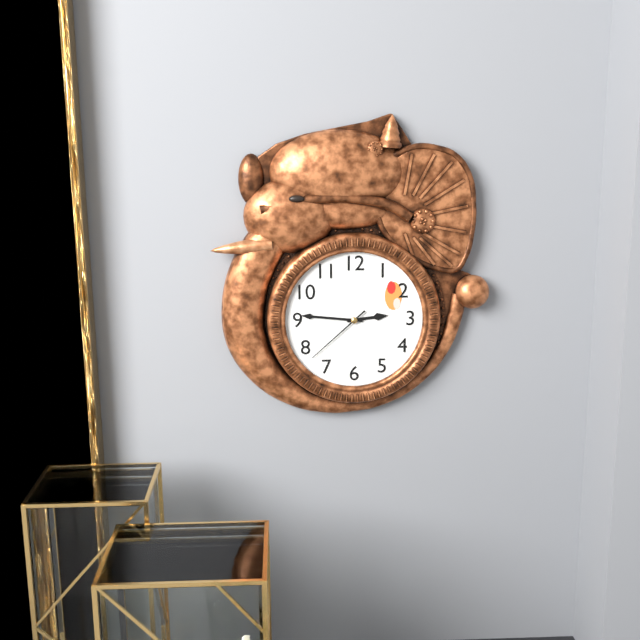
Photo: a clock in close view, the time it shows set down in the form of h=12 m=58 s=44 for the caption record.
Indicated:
h=2 m=46 s=38
